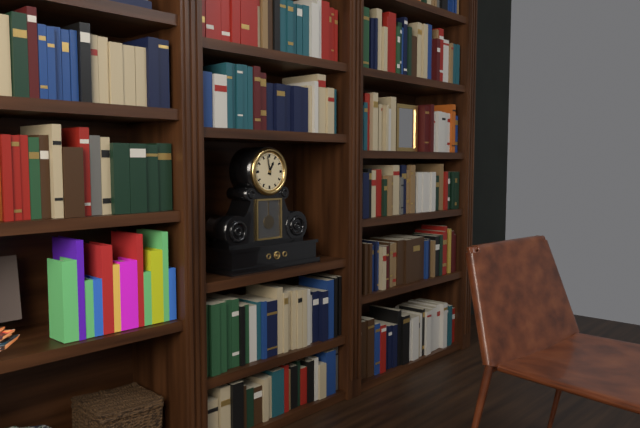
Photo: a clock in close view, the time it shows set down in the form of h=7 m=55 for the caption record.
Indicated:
h=12 m=58
